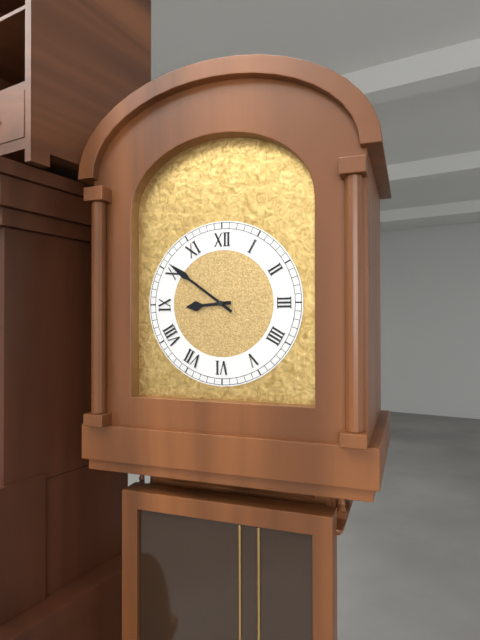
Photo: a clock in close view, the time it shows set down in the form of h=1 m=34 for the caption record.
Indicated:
h=8 m=51
